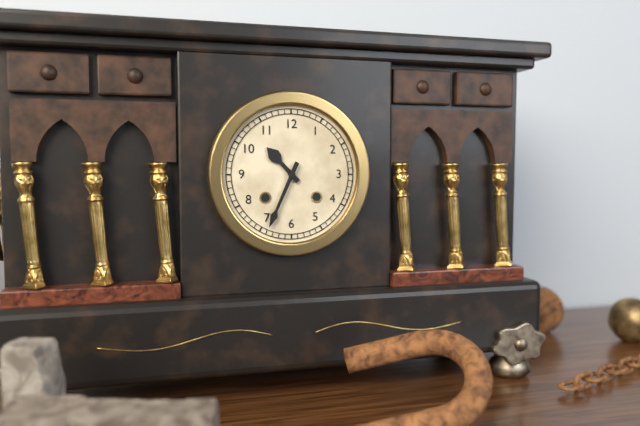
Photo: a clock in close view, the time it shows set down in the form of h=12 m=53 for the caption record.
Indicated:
h=10 m=34
